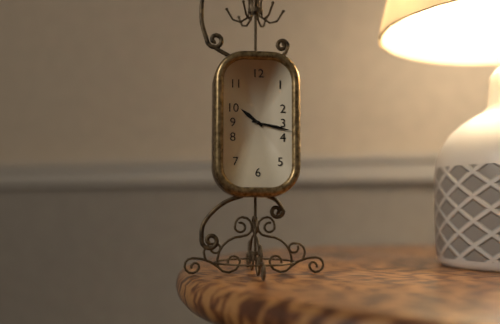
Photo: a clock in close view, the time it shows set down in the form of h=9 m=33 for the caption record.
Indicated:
h=10 m=17
